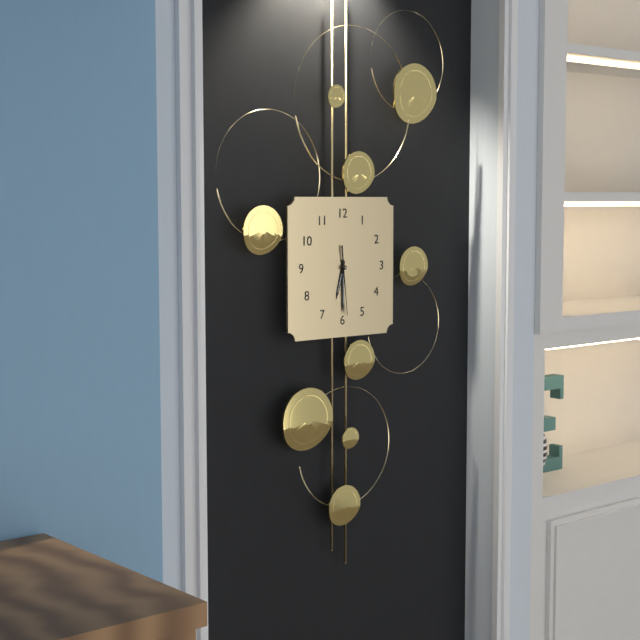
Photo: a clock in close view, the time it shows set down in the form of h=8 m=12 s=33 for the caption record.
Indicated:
h=6 m=30 s=29
